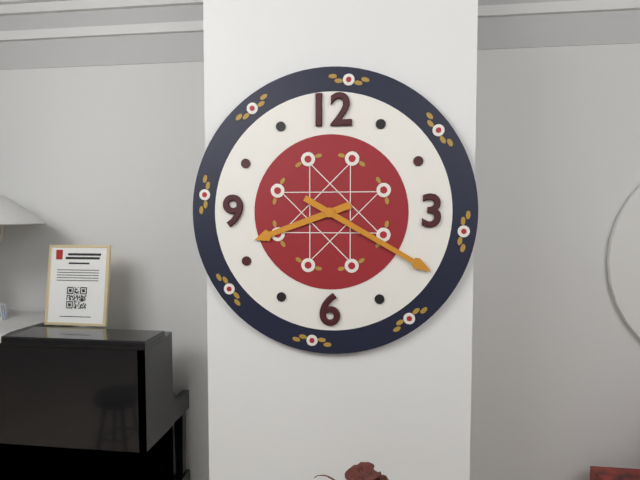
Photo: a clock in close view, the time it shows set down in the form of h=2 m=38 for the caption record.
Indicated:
h=8 m=20
